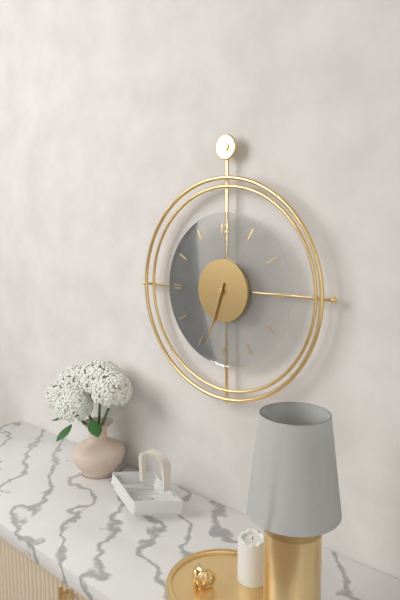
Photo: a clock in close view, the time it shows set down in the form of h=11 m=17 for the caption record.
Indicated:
h=6 m=33
